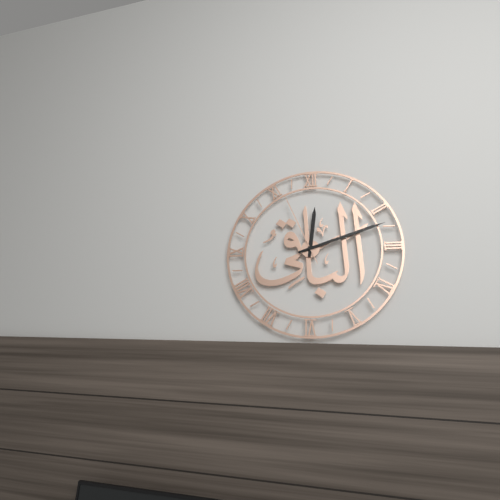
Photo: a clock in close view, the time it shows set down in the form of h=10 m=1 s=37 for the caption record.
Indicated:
h=12 m=12 s=56
